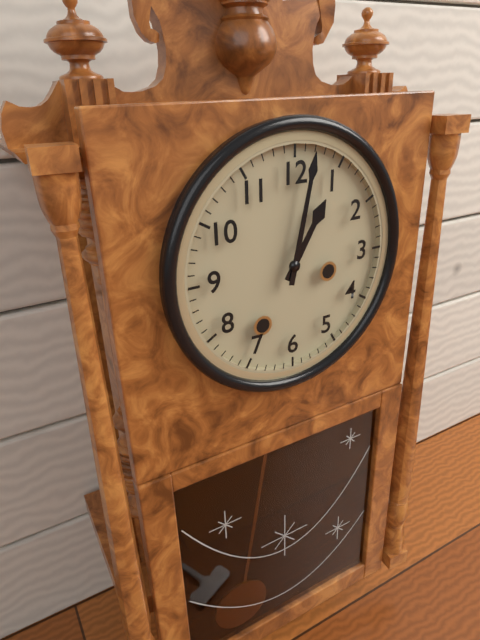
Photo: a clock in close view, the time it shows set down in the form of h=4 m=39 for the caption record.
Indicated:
h=1 m=2
